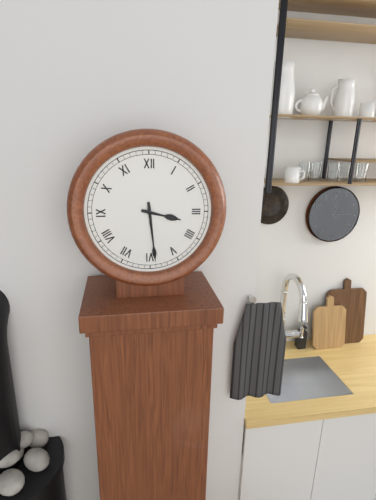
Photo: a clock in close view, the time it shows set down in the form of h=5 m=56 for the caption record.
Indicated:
h=3 m=29
